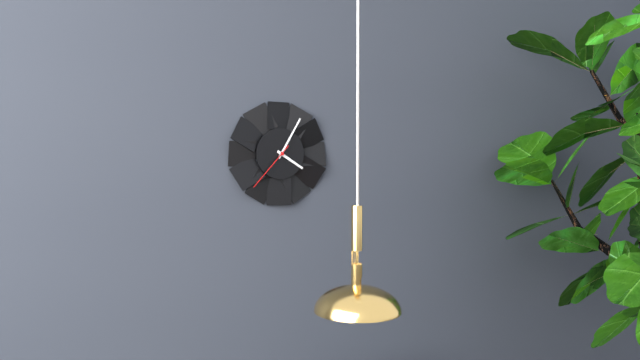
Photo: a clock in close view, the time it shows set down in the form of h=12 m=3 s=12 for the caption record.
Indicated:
h=4 m=5 s=37
